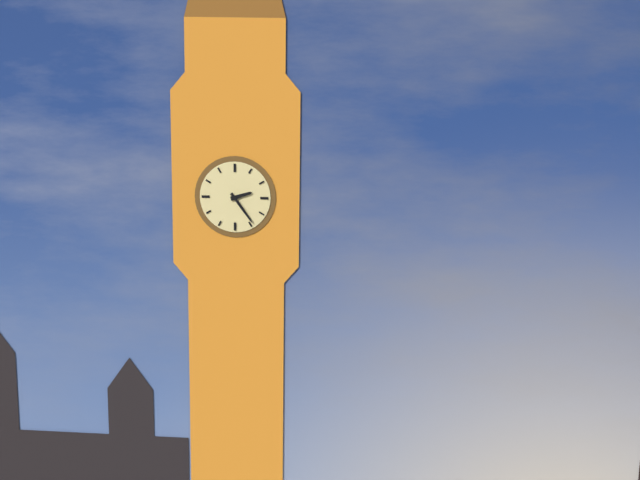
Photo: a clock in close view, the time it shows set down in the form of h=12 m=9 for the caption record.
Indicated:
h=2 m=24
